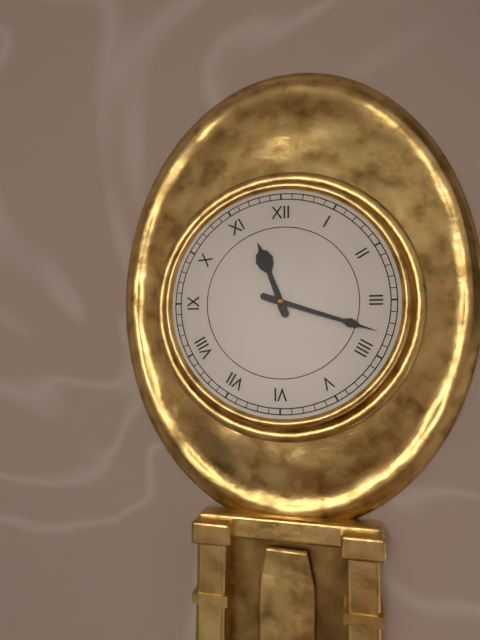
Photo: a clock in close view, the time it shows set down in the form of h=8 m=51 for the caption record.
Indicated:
h=11 m=18
